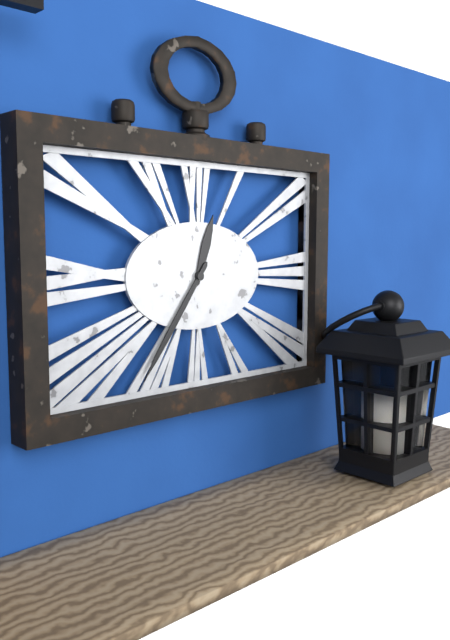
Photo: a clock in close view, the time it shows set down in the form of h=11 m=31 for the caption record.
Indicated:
h=12 m=36
